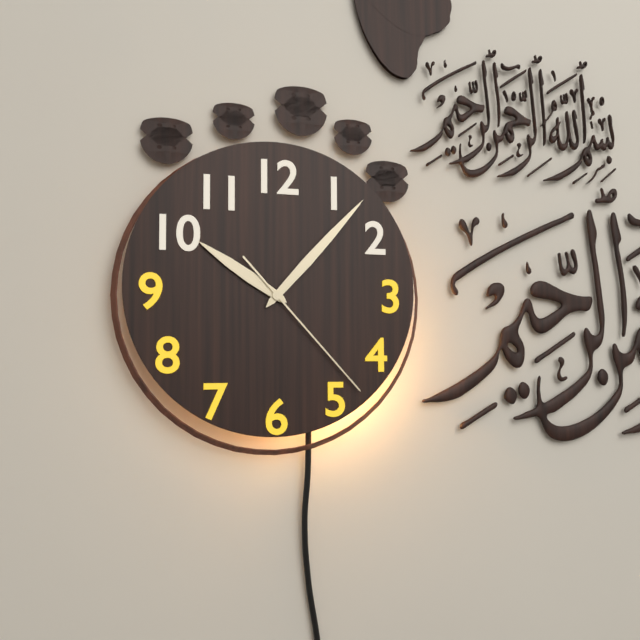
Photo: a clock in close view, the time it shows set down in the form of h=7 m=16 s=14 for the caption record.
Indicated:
h=10 m=7 s=23
